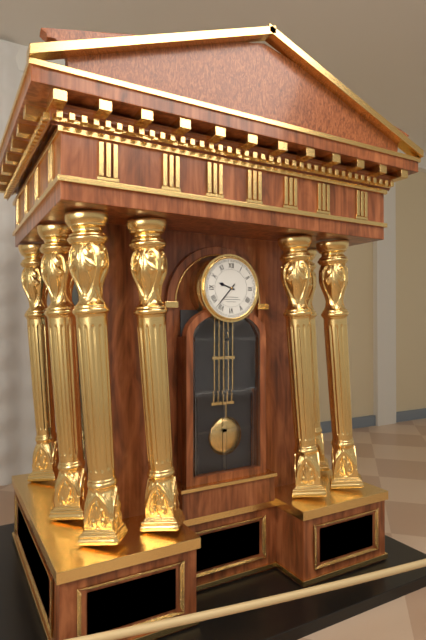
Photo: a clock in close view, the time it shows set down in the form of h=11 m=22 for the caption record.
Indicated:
h=9 m=37
